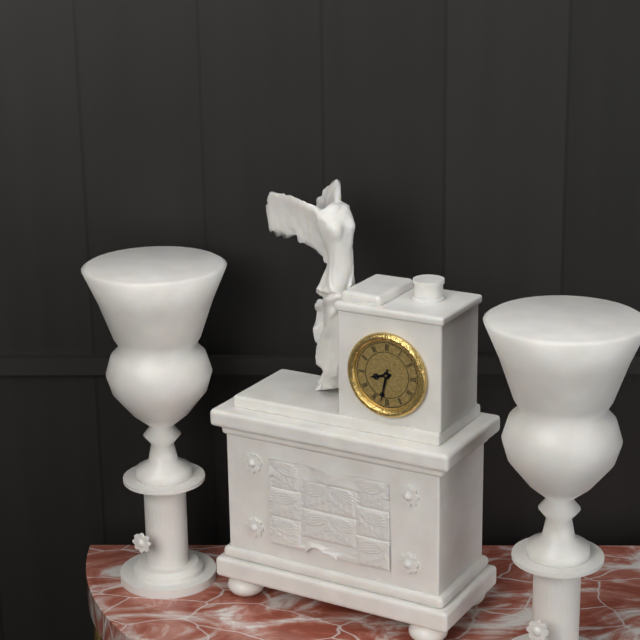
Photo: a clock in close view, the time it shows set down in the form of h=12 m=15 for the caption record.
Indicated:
h=8 m=32
